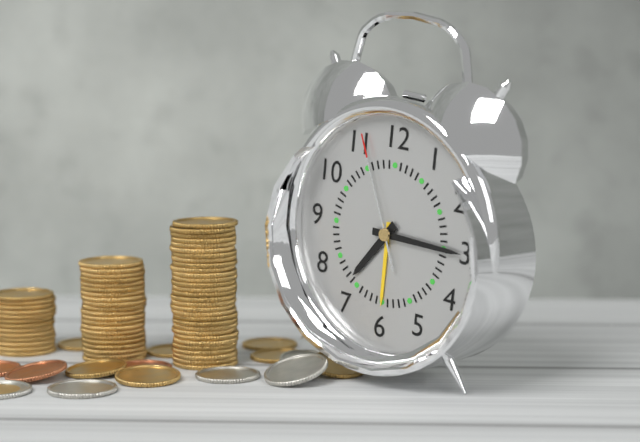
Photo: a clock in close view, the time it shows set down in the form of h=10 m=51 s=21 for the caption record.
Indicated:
h=7 m=15 s=56
